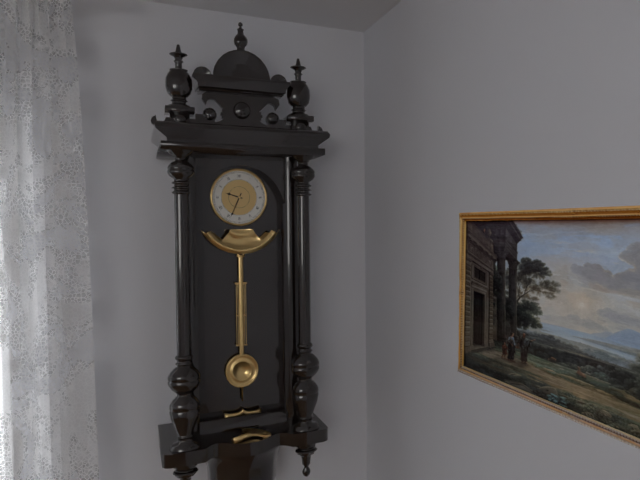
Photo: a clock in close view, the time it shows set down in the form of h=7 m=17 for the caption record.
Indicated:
h=9 m=34
